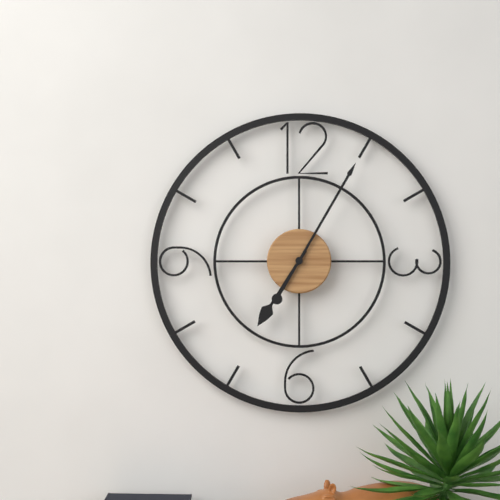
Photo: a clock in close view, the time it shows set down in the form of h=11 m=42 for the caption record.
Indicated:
h=7 m=5
